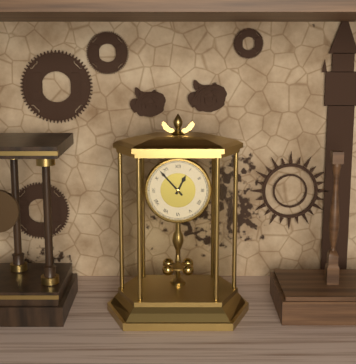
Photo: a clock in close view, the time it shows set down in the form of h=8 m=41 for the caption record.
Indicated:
h=12 m=53
